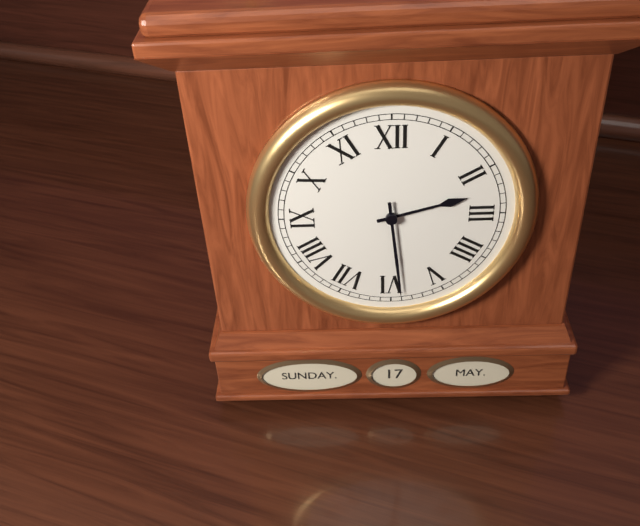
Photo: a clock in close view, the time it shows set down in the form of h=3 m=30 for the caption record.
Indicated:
h=2 m=29
